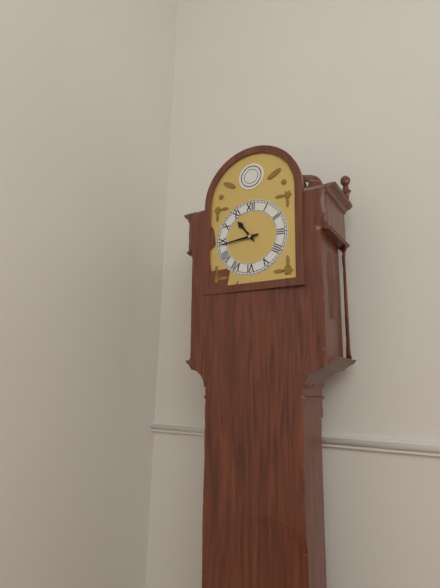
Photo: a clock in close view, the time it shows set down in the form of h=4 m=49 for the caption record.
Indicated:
h=10 m=44
